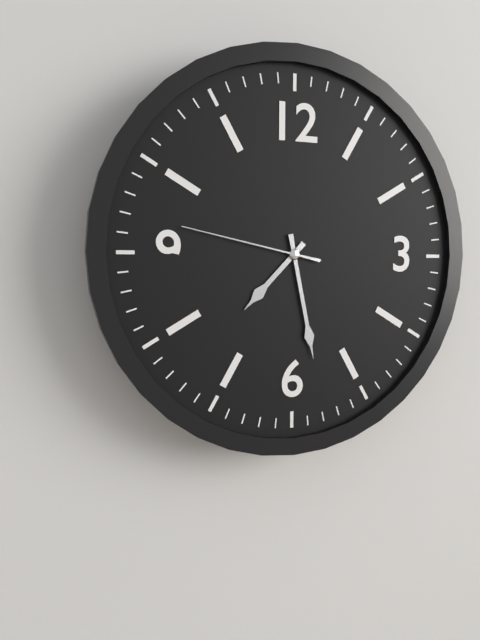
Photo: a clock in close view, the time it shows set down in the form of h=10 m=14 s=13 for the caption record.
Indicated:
h=7 m=28 s=47
